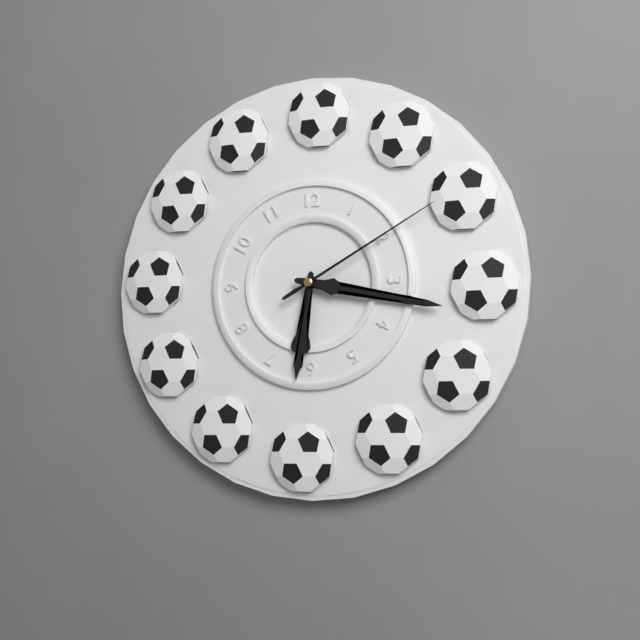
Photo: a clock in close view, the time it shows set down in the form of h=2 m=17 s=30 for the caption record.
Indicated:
h=6 m=17 s=10
